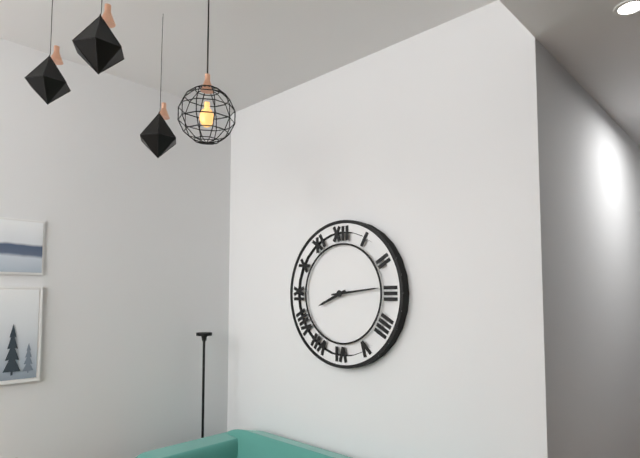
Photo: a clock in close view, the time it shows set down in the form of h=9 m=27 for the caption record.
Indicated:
h=8 m=14
